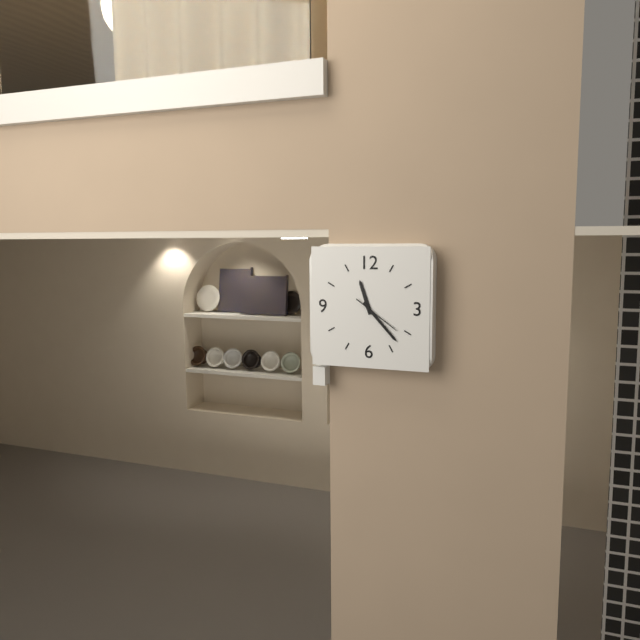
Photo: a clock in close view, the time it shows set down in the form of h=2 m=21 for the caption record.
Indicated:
h=11 m=23
